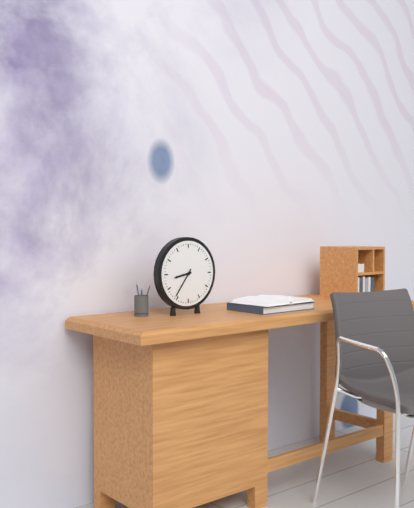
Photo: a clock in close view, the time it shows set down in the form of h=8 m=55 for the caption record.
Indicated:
h=8 m=36
